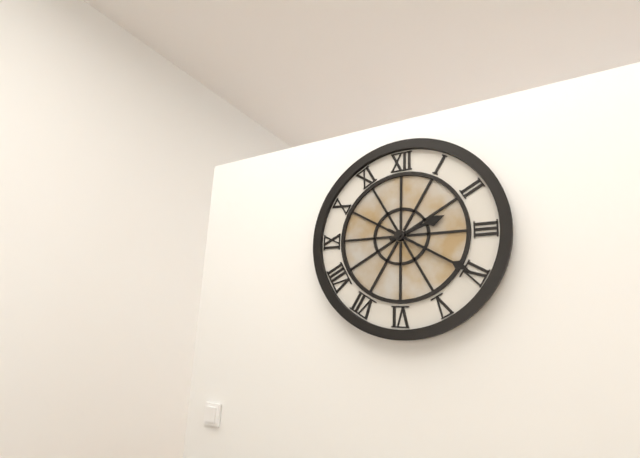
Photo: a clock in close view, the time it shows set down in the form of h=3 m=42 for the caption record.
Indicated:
h=2 m=20
